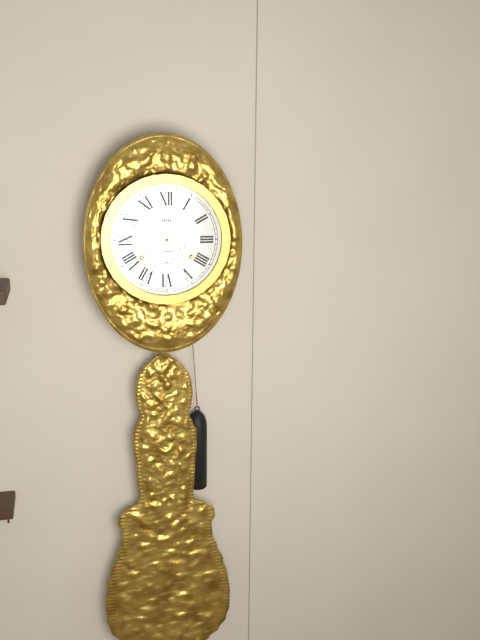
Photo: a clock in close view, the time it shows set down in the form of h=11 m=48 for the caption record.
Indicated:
h=6 m=53
